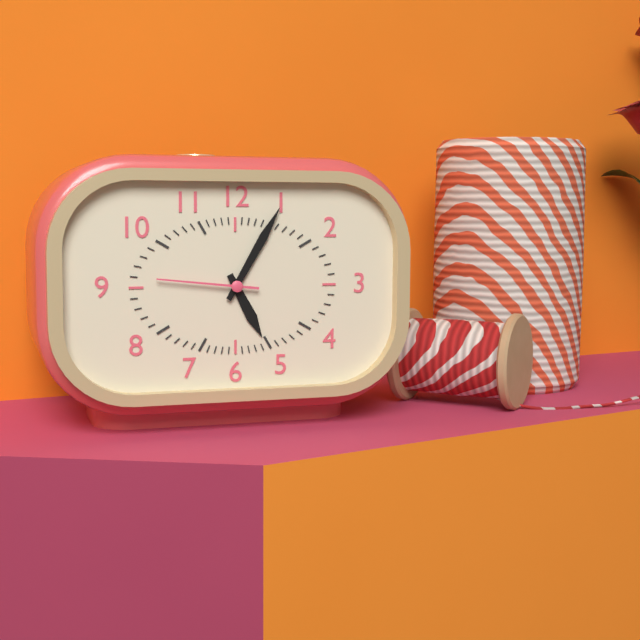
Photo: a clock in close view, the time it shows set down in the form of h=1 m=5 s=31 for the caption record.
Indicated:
h=5 m=5 s=46
